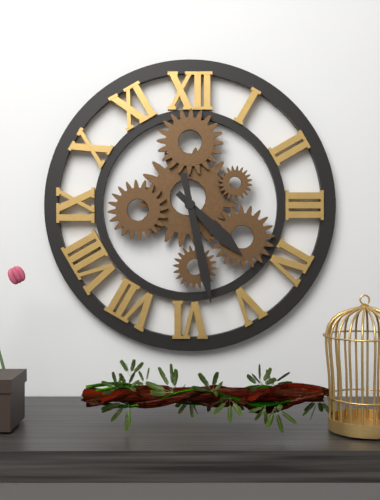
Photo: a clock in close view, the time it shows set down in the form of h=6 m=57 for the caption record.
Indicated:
h=4 m=28
